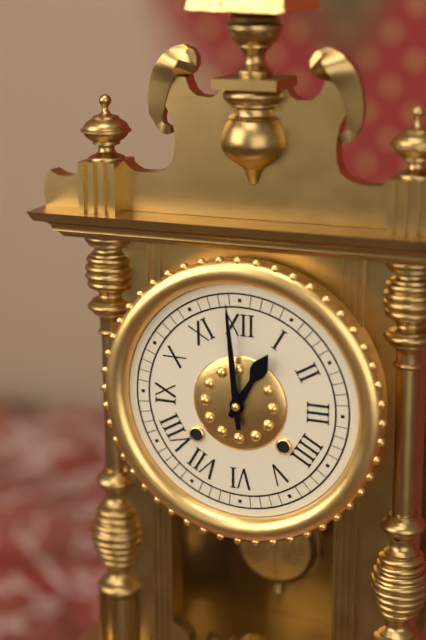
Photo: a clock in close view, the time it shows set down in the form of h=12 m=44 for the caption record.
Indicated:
h=12 m=59
